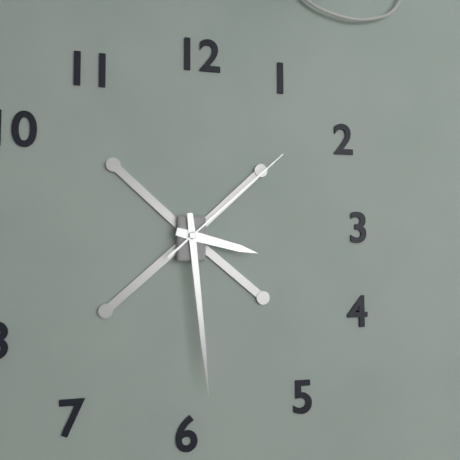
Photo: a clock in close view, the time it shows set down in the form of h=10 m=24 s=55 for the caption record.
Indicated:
h=3 m=29 s=8
